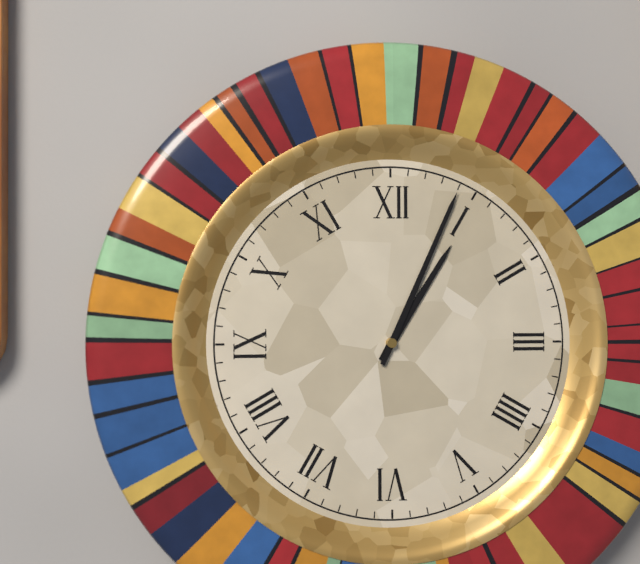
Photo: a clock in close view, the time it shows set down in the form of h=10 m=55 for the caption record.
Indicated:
h=1 m=4
